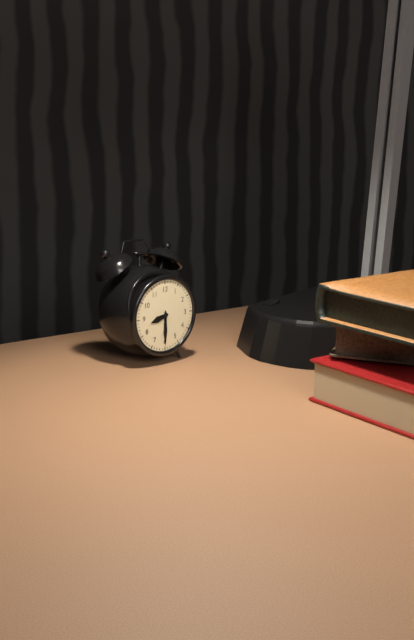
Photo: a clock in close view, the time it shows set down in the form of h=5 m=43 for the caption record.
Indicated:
h=8 m=30
